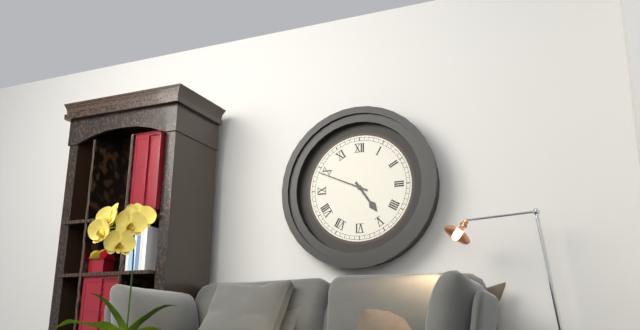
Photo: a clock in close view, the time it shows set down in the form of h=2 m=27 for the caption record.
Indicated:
h=4 m=49
